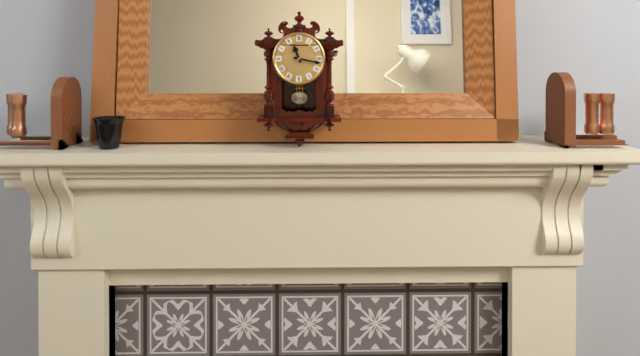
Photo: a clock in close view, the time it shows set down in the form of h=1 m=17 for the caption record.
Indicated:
h=11 m=17
